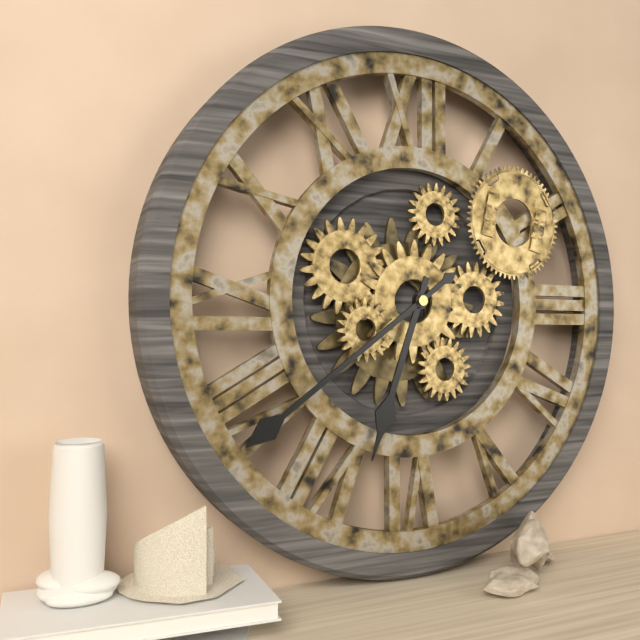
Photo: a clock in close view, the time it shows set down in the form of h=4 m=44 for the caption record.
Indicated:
h=6 m=39
